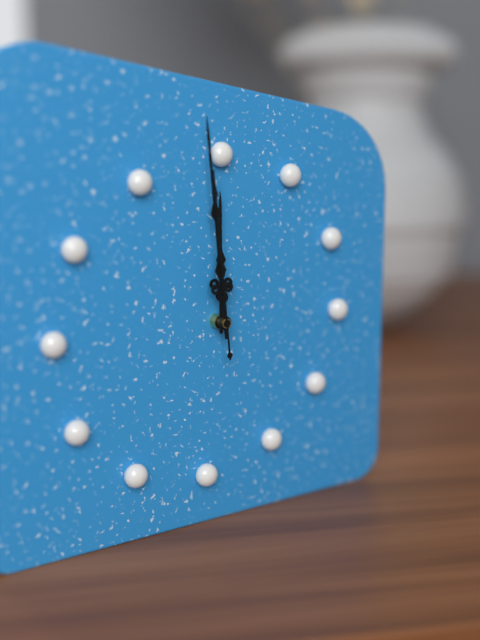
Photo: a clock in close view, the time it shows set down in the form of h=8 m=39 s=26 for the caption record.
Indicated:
h=11 m=59 s=59
